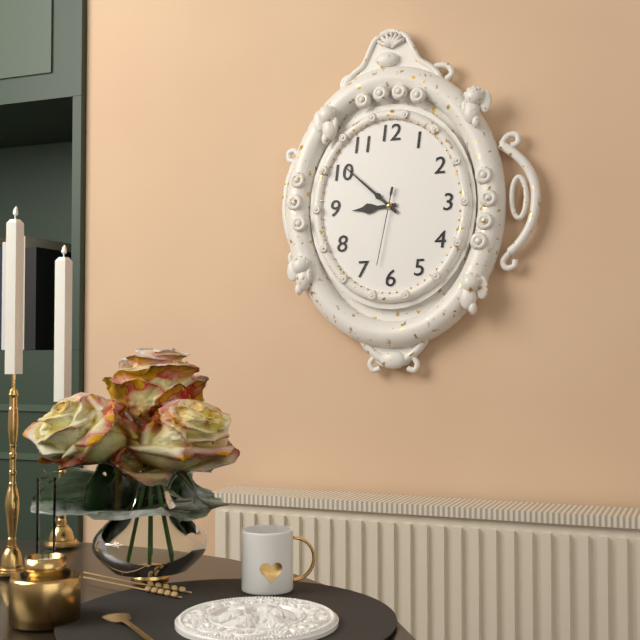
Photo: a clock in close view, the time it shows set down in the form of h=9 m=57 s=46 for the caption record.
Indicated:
h=8 m=52 s=32
